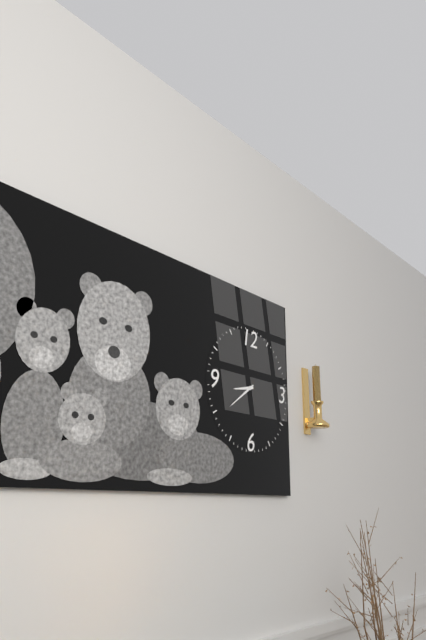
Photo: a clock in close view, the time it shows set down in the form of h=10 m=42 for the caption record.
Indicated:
h=8 m=39
